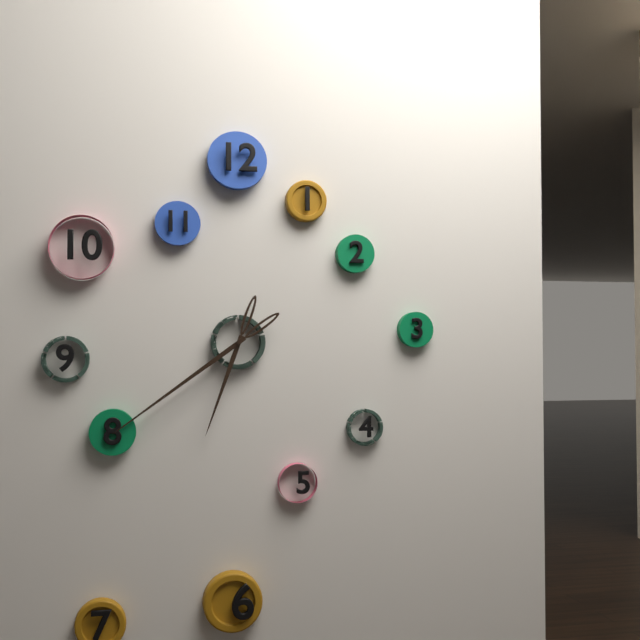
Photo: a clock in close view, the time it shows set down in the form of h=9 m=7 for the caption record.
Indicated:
h=6 m=39
